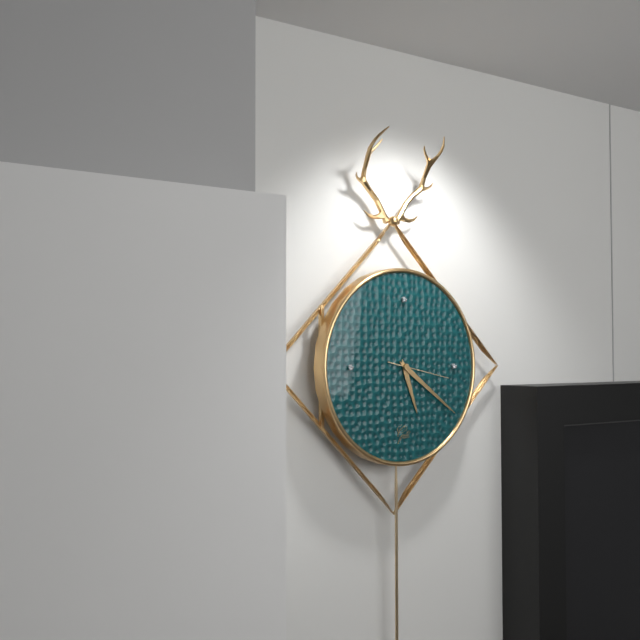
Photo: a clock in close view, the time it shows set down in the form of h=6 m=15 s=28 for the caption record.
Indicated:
h=5 m=21 s=17
